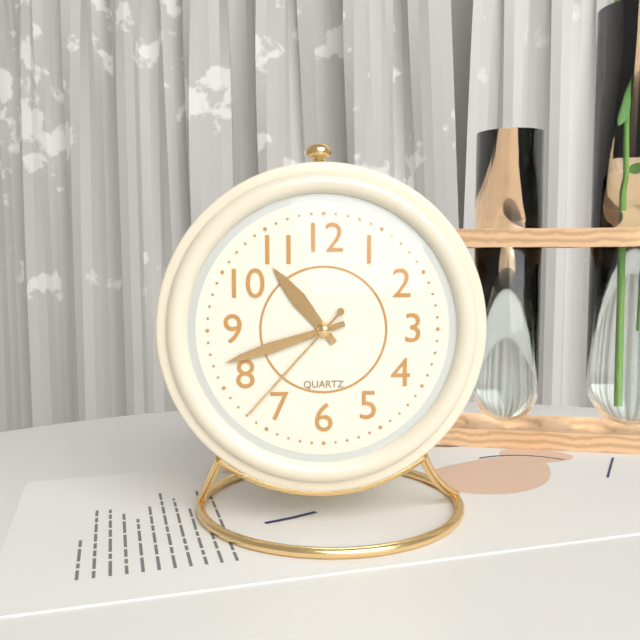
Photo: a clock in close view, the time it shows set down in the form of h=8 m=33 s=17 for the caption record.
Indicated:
h=10 m=42 s=37
